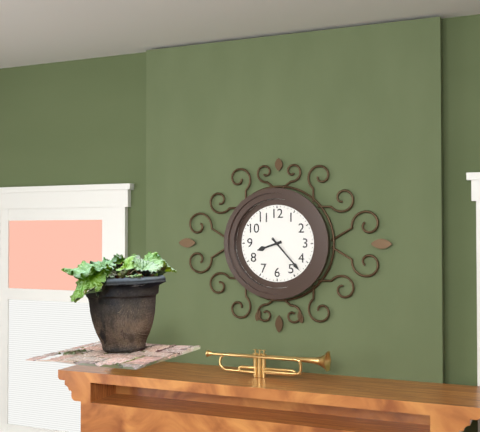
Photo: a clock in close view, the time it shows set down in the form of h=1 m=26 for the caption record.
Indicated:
h=8 m=23
